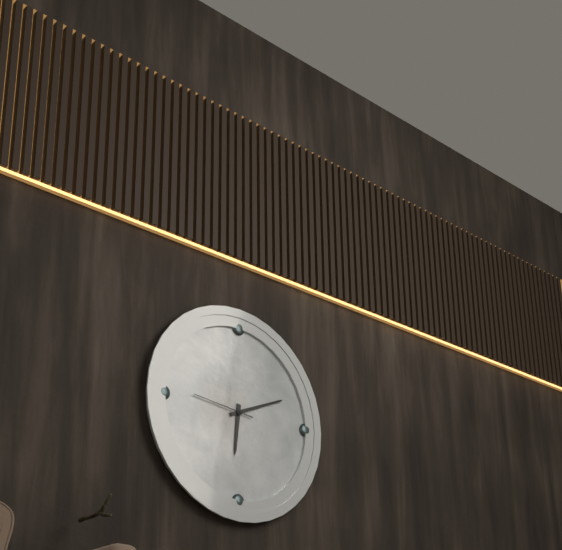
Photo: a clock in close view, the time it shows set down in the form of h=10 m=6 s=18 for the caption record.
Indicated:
h=6 m=11 s=46
